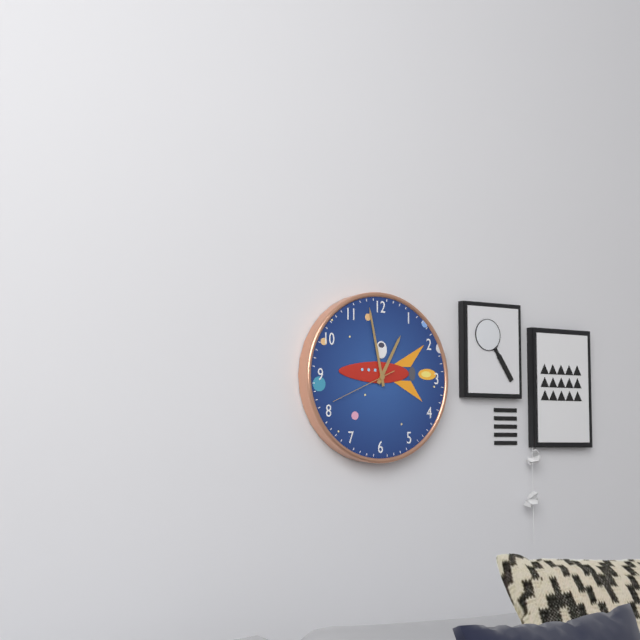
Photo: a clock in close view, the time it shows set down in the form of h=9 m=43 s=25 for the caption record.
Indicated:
h=12 m=58 s=41
